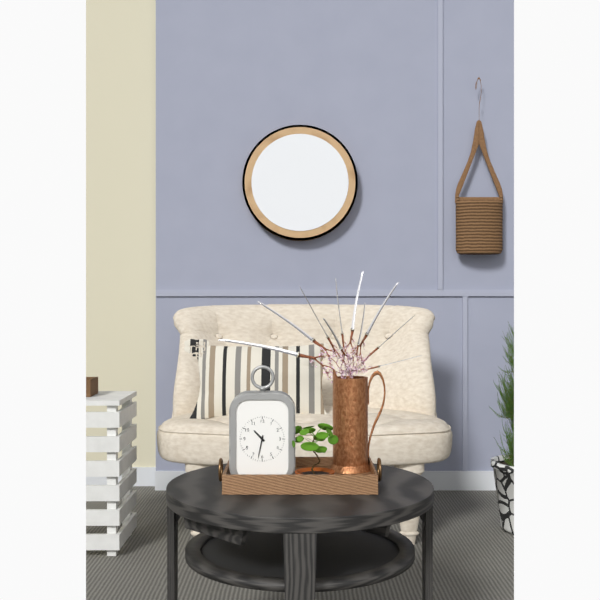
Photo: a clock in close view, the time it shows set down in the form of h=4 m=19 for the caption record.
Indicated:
h=10 m=32
